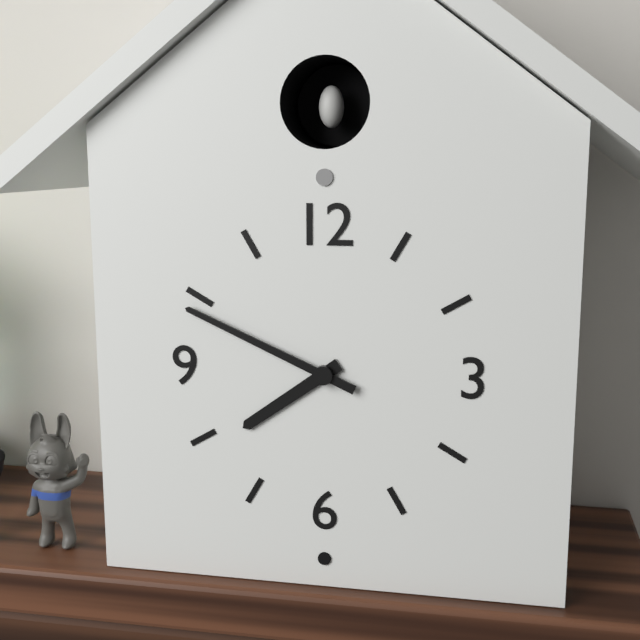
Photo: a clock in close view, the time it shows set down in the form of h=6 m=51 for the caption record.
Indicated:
h=7 m=49
